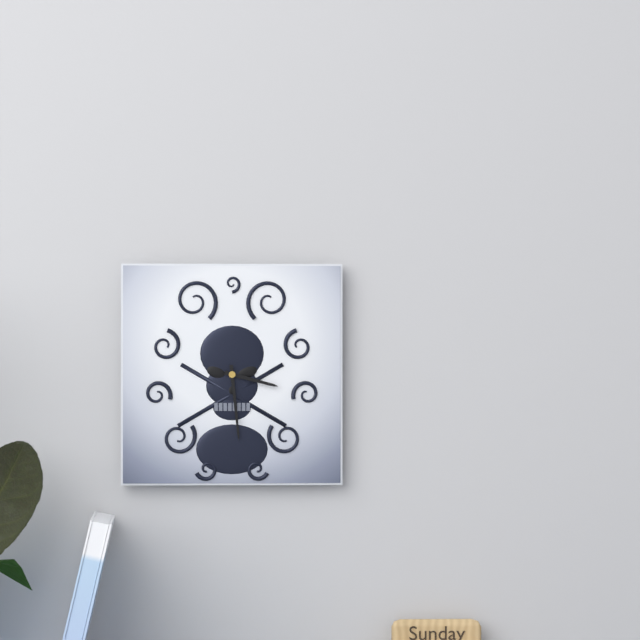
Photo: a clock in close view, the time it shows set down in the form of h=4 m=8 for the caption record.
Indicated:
h=3 m=29
